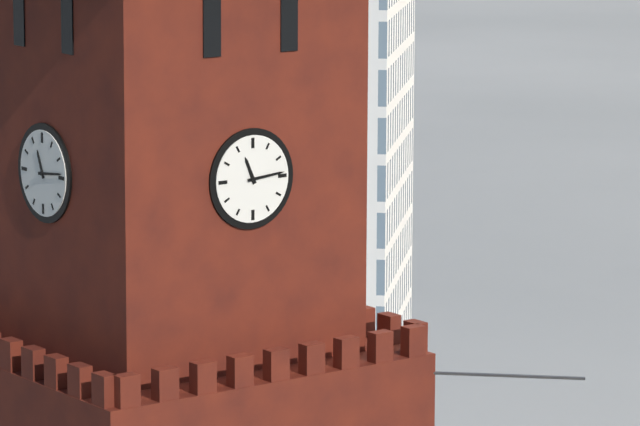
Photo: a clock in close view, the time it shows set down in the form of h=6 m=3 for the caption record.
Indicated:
h=11 m=14
